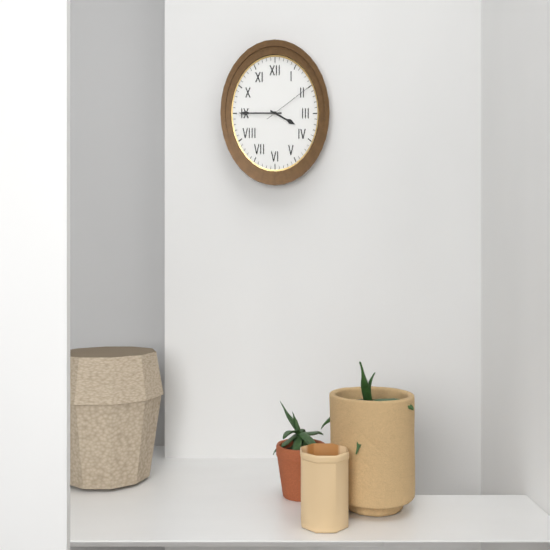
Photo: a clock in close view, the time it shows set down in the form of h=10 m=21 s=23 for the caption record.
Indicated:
h=3 m=45 s=10
